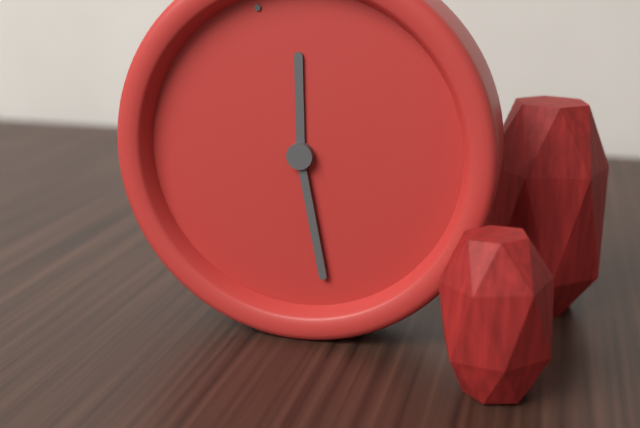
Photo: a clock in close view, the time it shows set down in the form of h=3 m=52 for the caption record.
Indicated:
h=12 m=31
